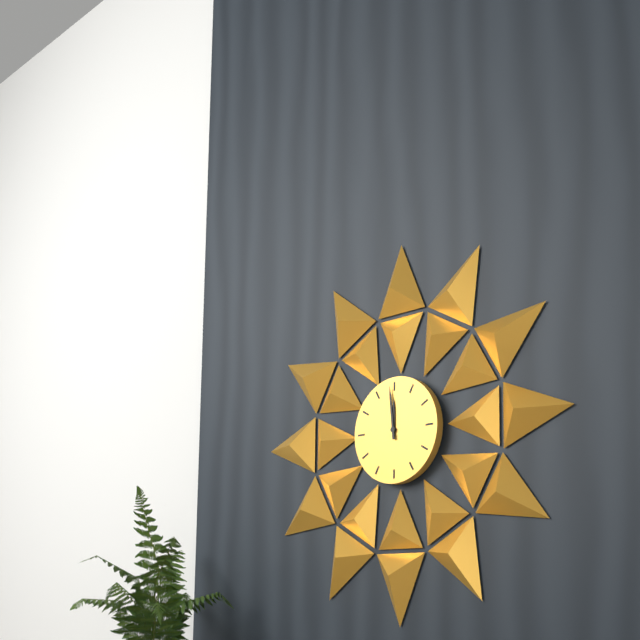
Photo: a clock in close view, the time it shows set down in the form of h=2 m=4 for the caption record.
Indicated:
h=11 m=59
